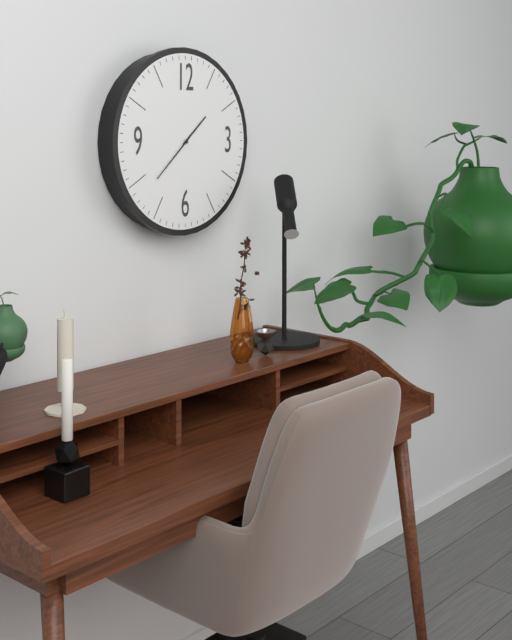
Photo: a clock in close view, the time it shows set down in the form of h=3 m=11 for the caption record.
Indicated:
h=1 m=38
